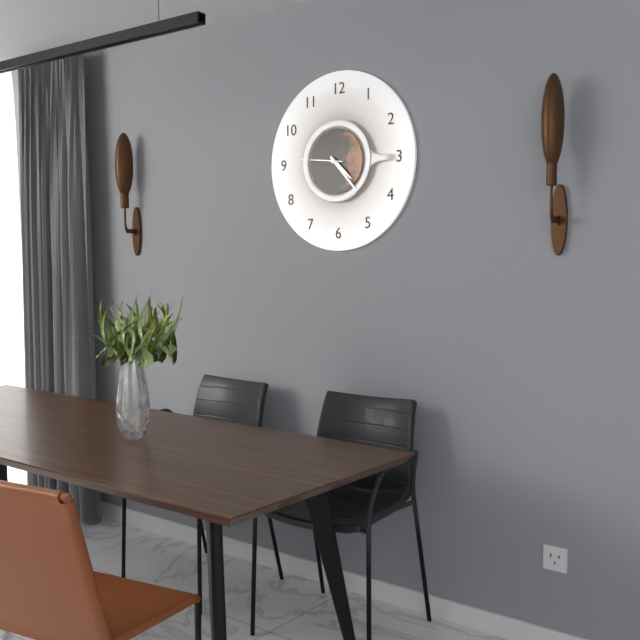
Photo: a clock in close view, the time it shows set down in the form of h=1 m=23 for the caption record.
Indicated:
h=4 m=23
